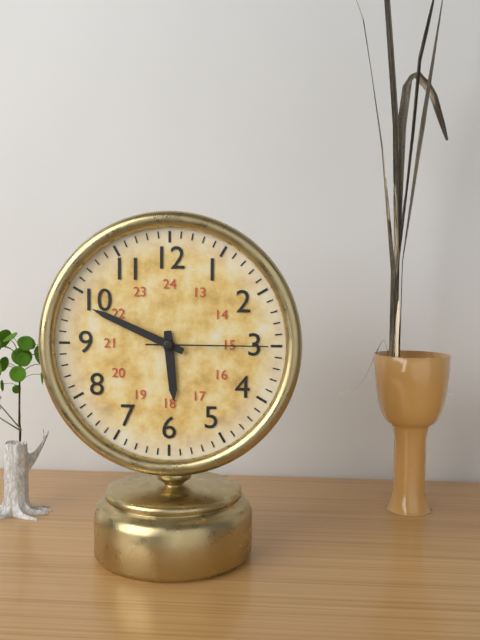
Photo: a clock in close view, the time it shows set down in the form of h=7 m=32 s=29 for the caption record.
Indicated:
h=5 m=49 s=15
